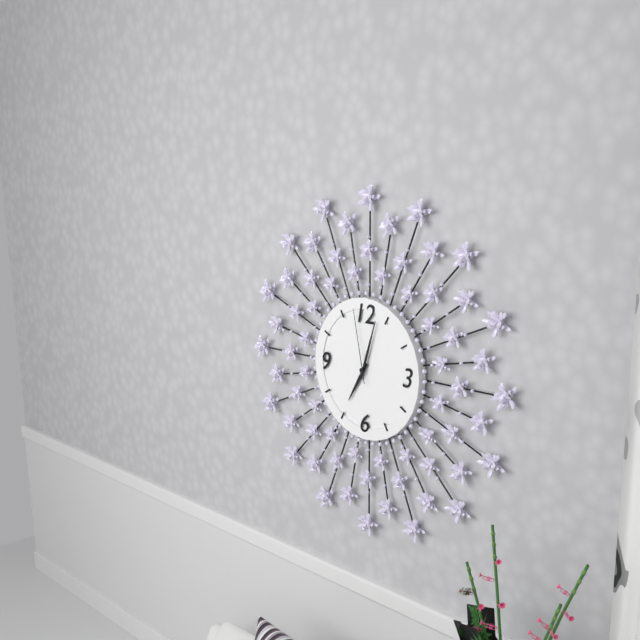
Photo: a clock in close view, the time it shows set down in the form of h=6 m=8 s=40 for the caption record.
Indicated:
h=7 m=3 s=58
